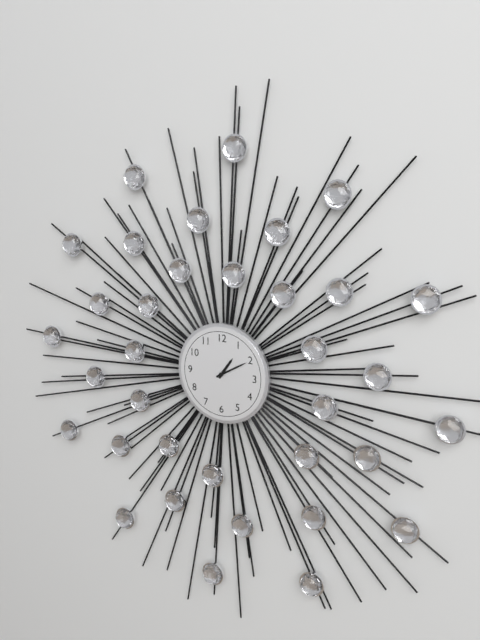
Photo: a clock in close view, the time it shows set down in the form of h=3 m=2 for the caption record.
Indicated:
h=1 m=10
